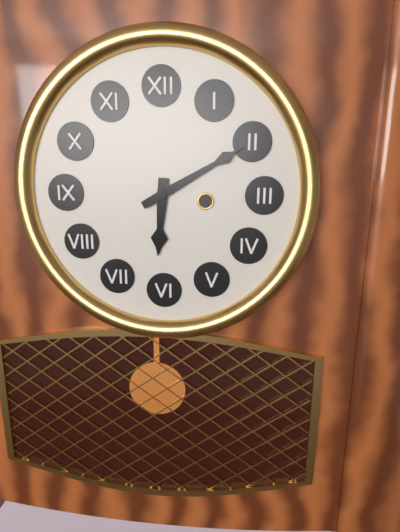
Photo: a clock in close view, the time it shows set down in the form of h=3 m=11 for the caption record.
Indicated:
h=6 m=10
